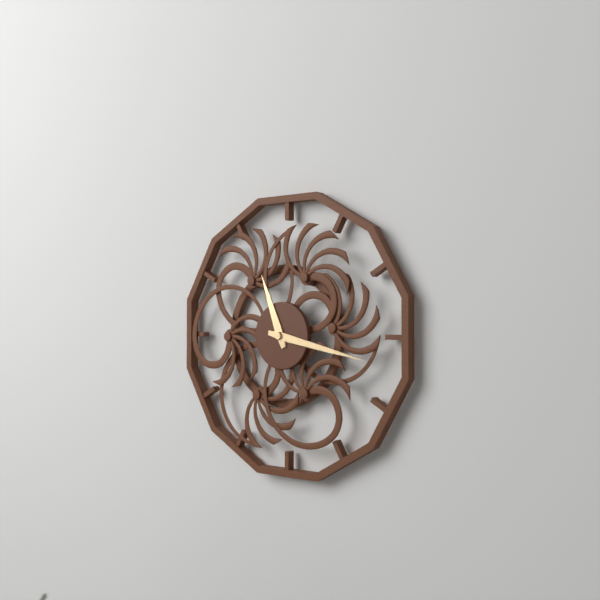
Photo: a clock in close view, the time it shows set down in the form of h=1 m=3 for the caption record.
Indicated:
h=11 m=17
